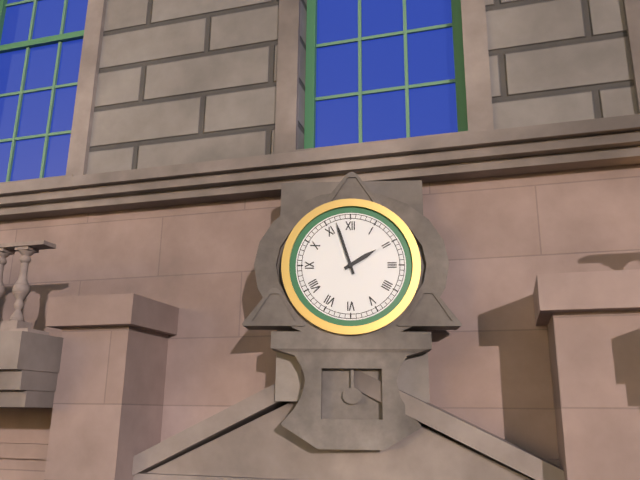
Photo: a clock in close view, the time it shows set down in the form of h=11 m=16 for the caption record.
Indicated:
h=1 m=57
